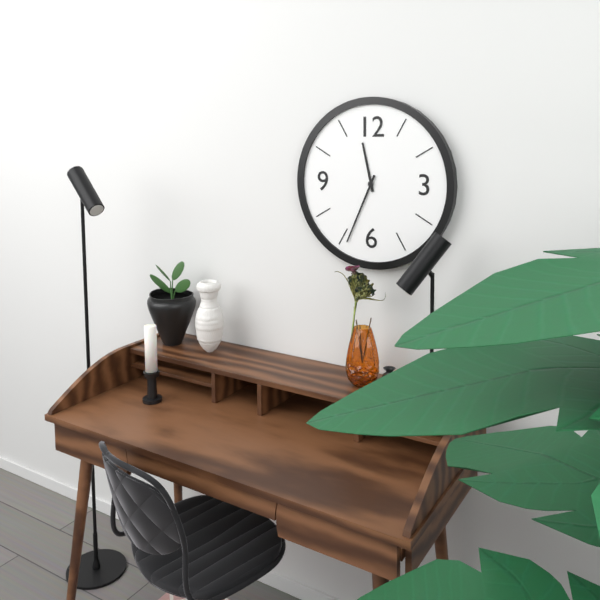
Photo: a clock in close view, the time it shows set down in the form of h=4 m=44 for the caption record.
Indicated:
h=11 m=34
